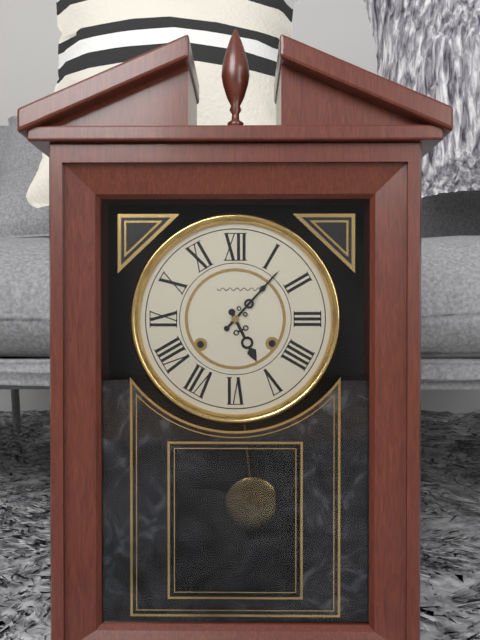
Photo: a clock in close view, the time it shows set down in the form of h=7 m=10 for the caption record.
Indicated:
h=5 m=7
